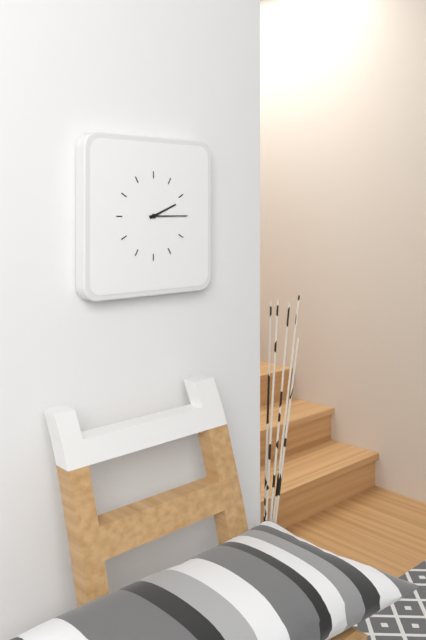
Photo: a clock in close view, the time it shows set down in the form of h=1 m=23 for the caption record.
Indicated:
h=2 m=15
